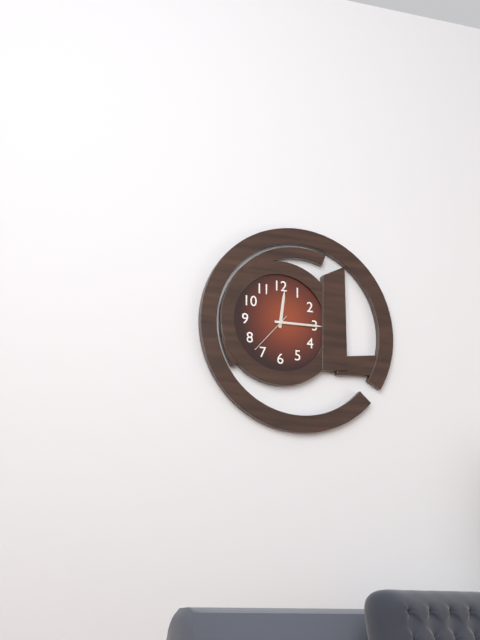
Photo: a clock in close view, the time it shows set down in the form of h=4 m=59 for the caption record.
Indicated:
h=12 m=15
